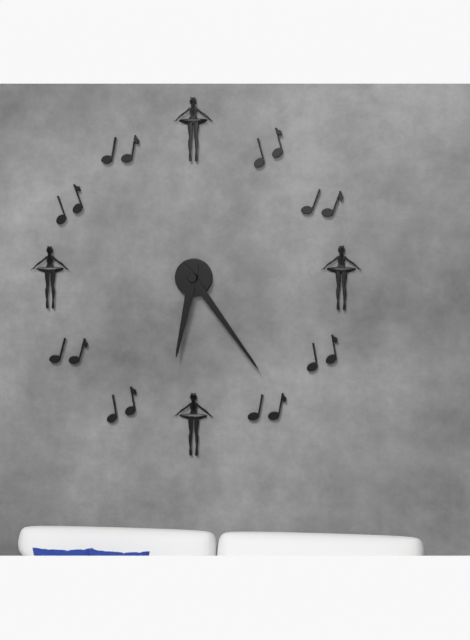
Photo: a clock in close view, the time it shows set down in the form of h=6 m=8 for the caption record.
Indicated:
h=6 m=24
